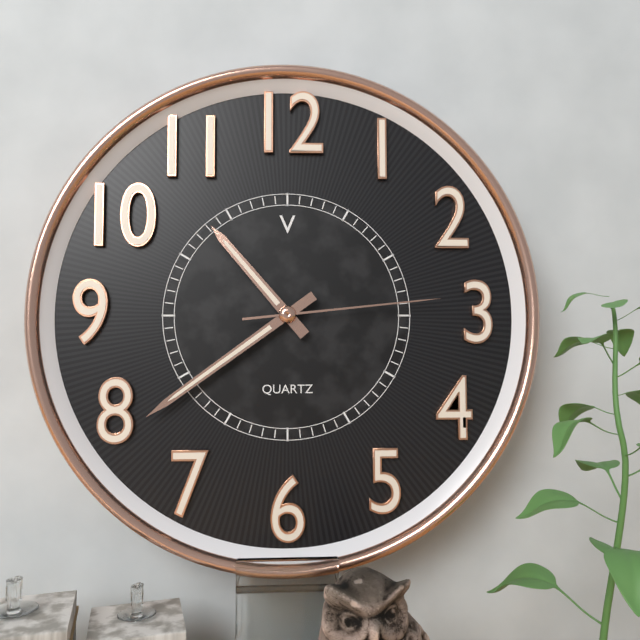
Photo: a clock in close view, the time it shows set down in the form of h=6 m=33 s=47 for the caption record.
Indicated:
h=10 m=39 s=14
